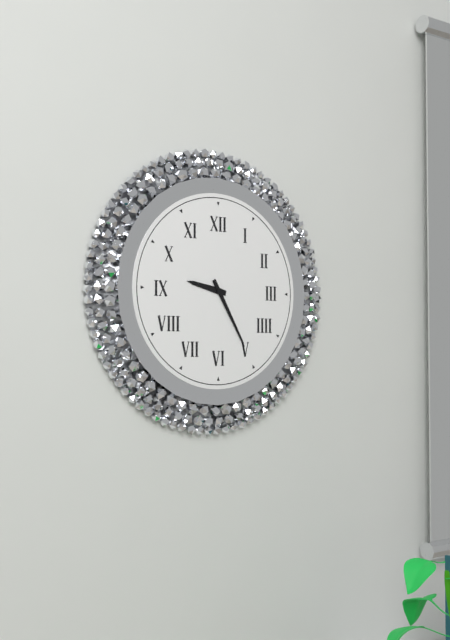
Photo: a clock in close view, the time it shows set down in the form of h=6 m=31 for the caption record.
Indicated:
h=9 m=25
